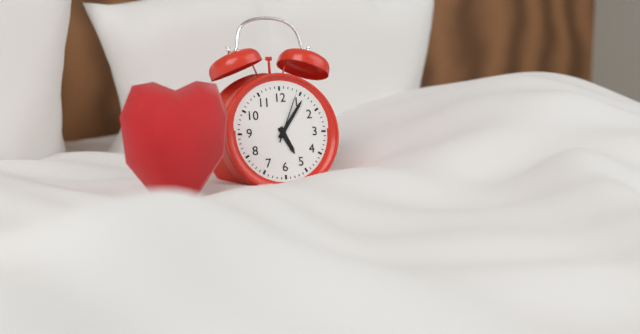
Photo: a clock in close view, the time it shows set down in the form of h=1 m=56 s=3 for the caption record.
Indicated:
h=5 m=6 s=4
